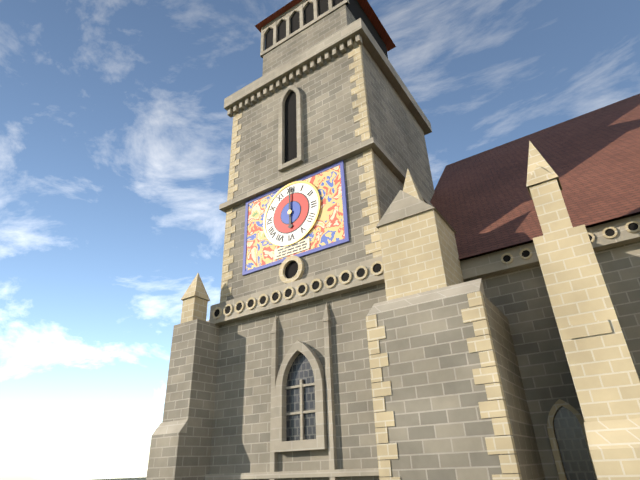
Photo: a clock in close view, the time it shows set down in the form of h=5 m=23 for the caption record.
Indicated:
h=6 m=0
